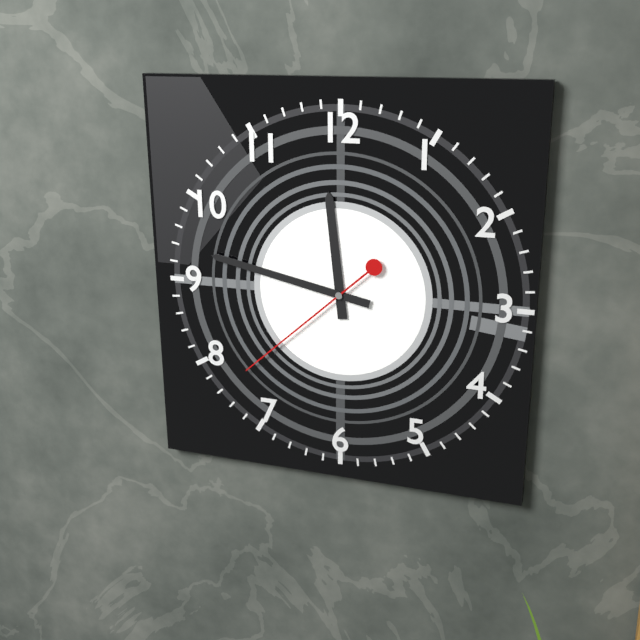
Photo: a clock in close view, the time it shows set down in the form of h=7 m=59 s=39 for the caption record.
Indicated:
h=11 m=47 s=38
